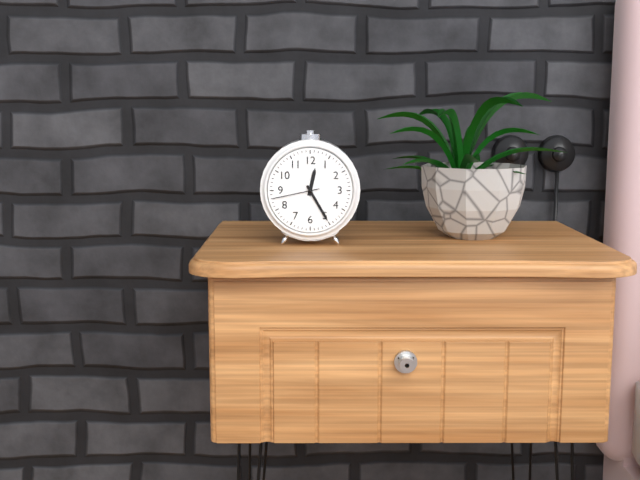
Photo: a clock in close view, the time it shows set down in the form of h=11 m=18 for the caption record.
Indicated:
h=12 m=25
